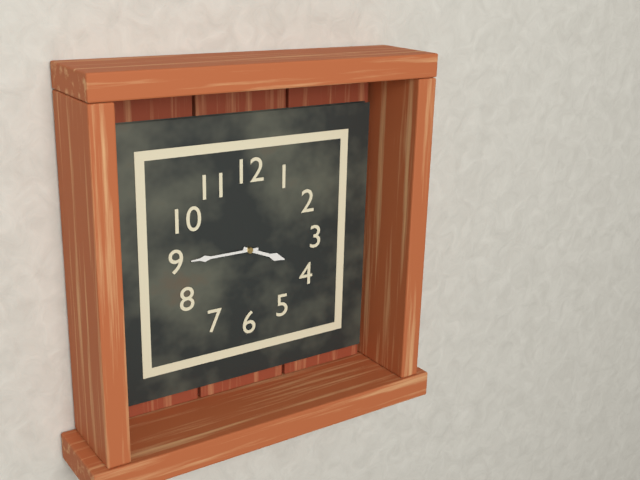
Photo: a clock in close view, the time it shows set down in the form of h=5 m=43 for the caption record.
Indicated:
h=3 m=45
